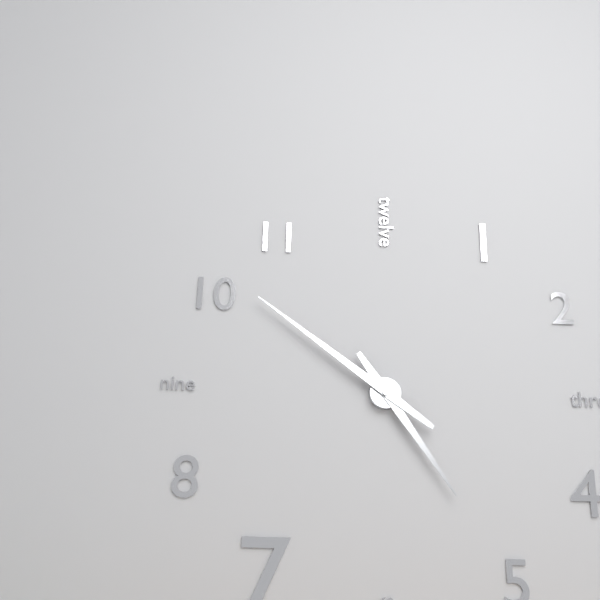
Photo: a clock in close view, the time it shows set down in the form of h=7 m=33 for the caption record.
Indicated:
h=4 m=51
